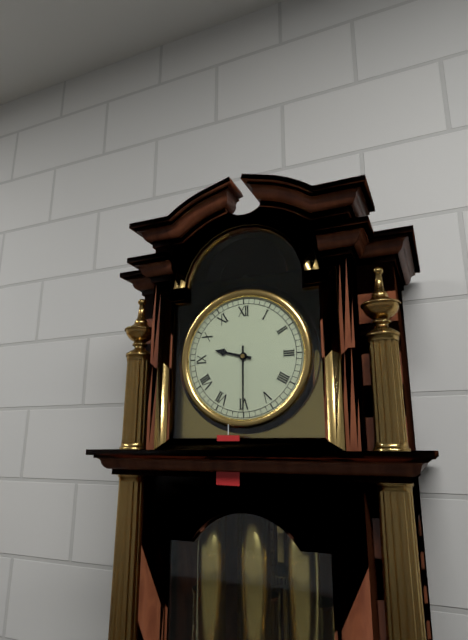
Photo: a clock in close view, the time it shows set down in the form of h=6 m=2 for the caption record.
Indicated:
h=9 m=30
